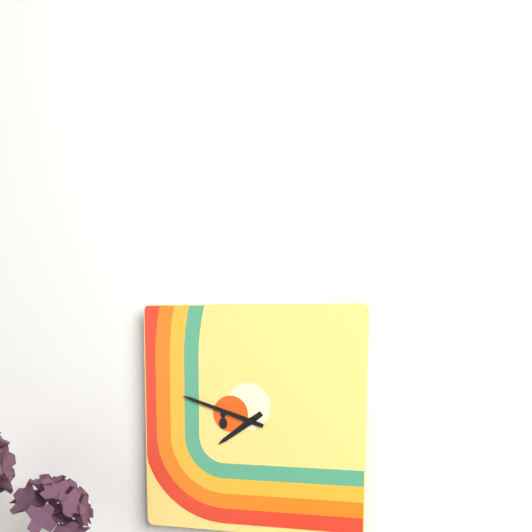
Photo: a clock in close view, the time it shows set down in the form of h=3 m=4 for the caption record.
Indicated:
h=7 m=48
